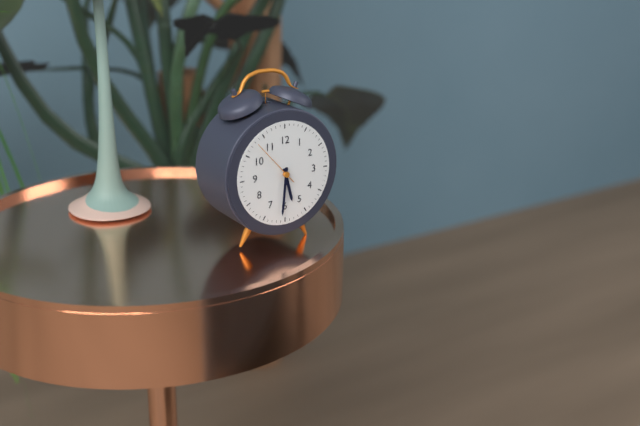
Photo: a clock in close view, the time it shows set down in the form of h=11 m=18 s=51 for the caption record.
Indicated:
h=5 m=31 s=53
